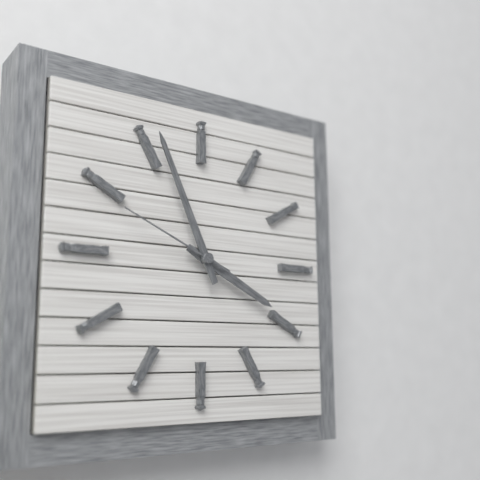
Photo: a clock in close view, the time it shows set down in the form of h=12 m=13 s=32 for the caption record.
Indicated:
h=3 m=56 s=49
